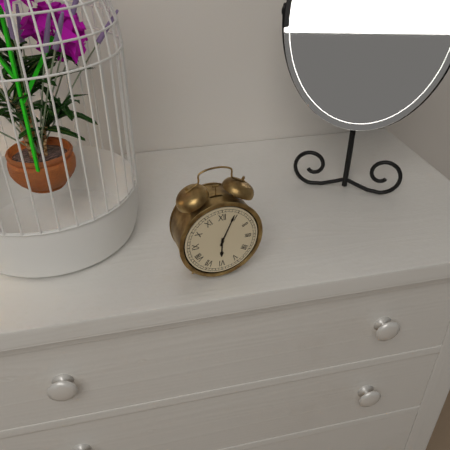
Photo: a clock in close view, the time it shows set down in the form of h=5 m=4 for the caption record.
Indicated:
h=6 m=4
